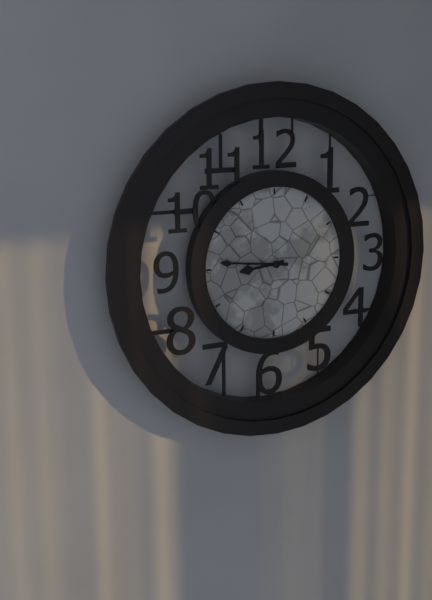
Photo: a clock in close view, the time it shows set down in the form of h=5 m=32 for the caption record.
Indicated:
h=8 m=46
